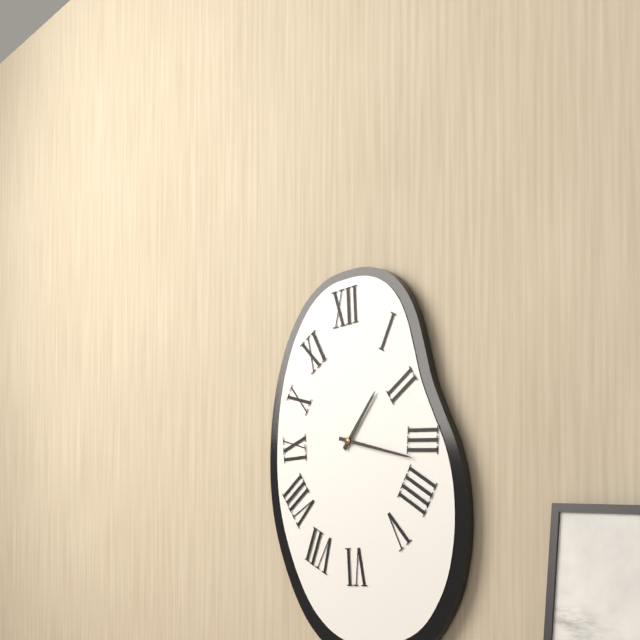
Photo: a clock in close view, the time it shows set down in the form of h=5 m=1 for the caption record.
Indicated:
h=1 m=17
